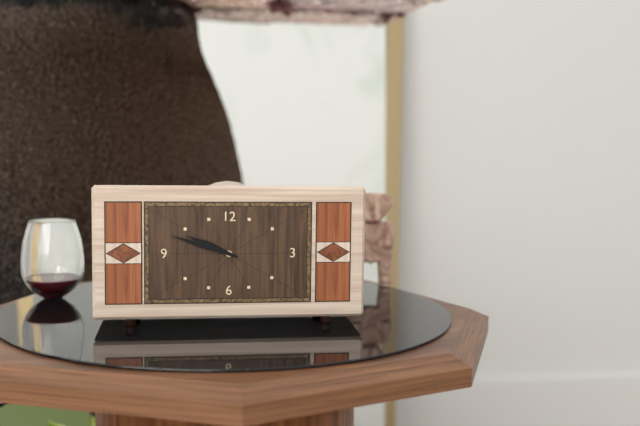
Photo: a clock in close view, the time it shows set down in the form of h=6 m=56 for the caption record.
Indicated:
h=9 m=48
